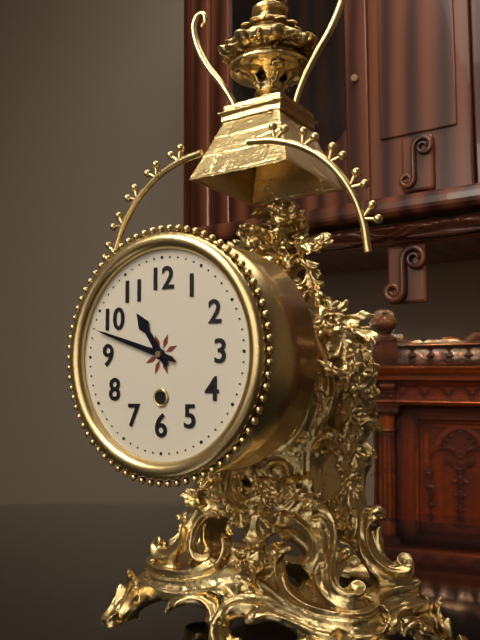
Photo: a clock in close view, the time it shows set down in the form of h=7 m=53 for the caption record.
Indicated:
h=10 m=48
